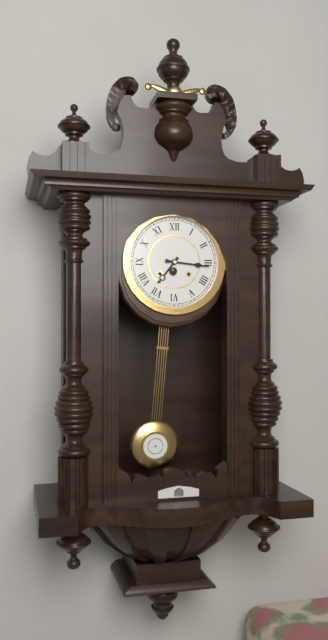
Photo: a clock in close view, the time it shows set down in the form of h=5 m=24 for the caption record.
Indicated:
h=7 m=16
